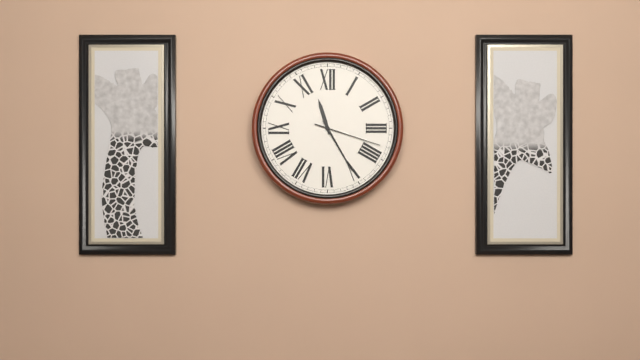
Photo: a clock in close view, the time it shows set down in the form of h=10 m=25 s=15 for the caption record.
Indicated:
h=11 m=25 s=18
